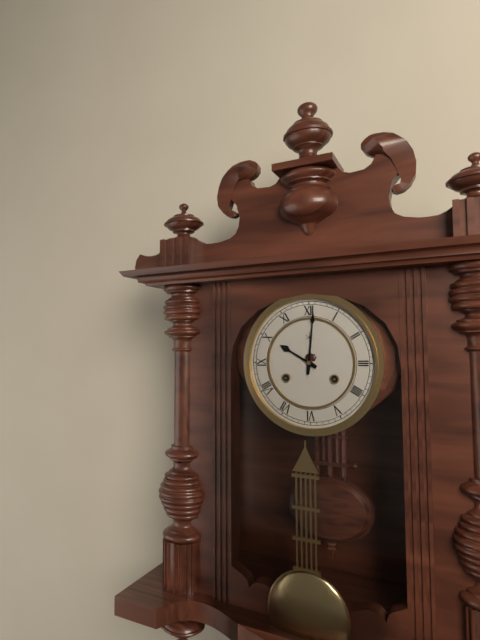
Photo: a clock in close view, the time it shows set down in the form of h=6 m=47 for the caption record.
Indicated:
h=10 m=1
